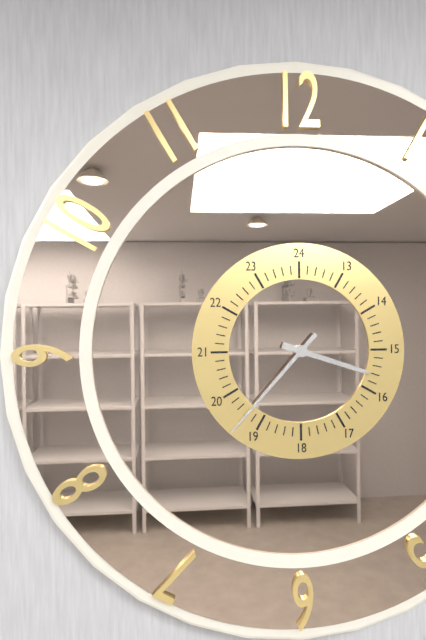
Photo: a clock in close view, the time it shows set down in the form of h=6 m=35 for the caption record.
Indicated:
h=3 m=37
